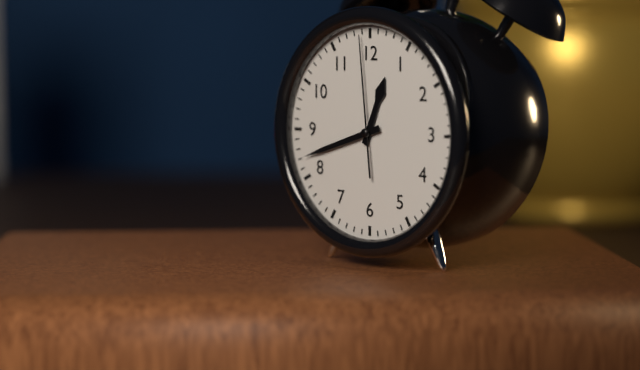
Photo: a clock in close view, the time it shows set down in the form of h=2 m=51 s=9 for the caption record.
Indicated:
h=12 m=42 s=59
